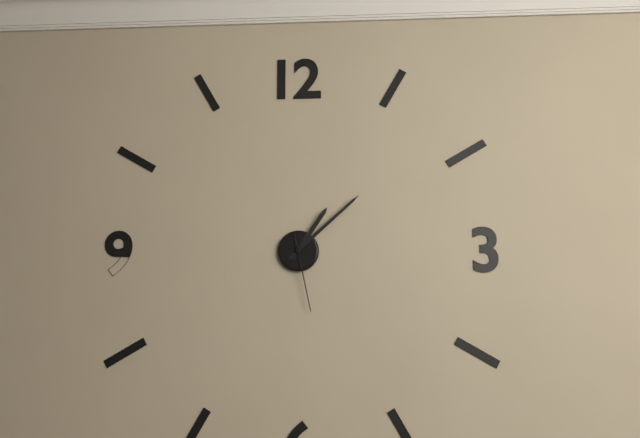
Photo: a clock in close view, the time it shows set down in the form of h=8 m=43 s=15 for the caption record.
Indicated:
h=1 m=8 s=28
